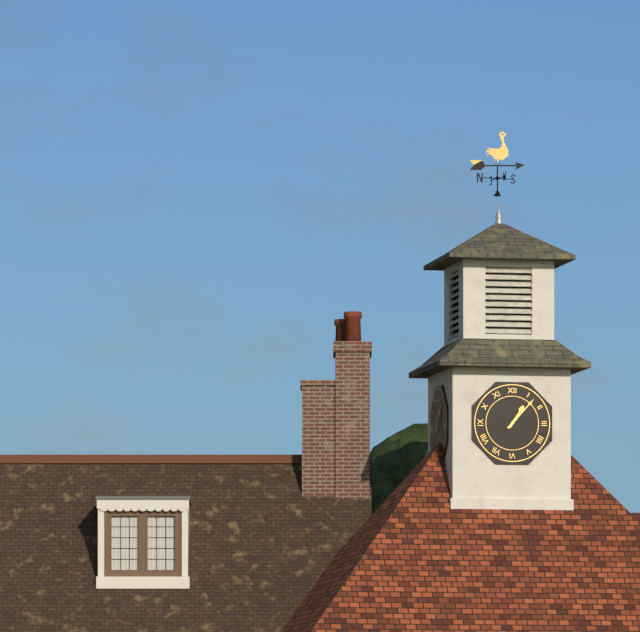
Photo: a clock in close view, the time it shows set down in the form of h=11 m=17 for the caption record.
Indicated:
h=1 m=7
